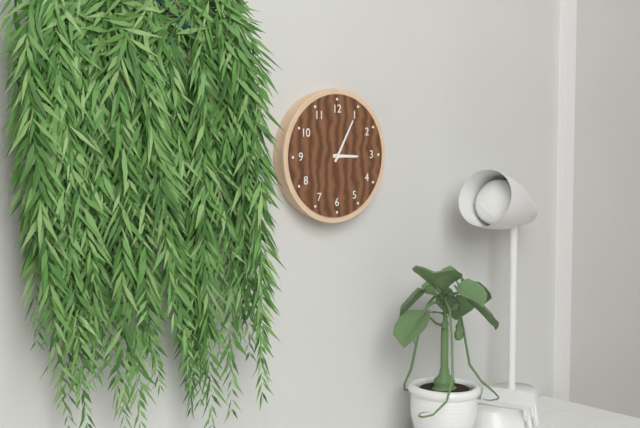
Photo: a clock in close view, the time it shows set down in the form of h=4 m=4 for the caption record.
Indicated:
h=3 m=5
